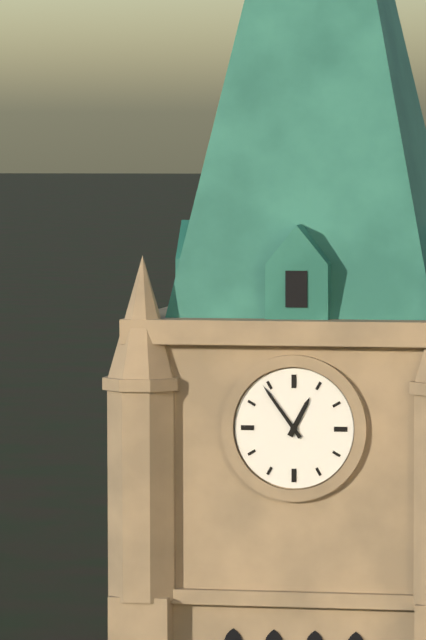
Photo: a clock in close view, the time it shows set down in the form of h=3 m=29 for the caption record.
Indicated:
h=12 m=54
